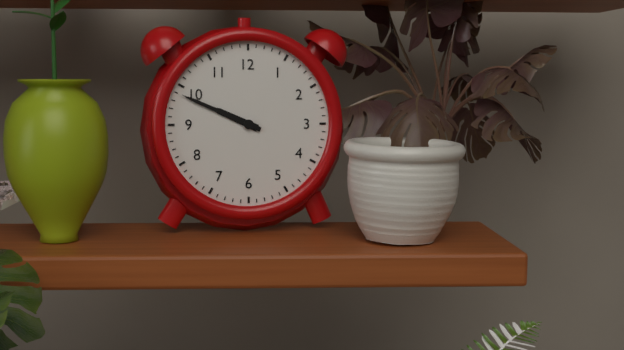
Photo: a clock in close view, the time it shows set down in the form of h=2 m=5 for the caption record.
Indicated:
h=9 m=49
